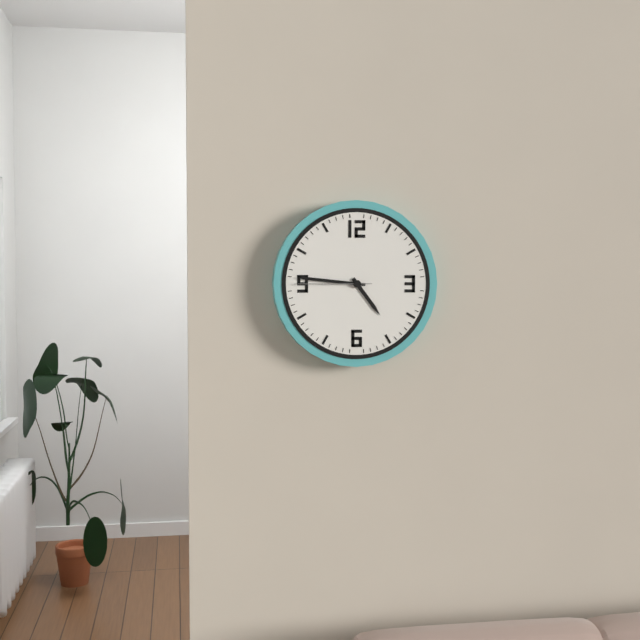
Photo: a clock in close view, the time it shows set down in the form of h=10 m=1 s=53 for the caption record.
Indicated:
h=4 m=46 s=45
